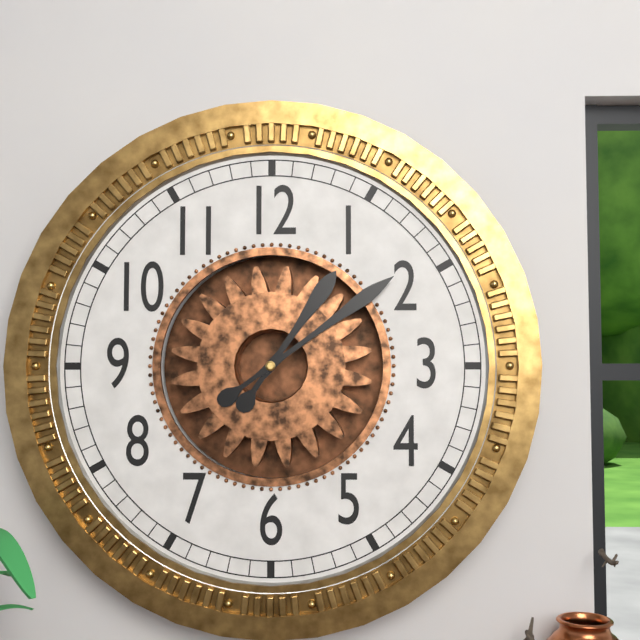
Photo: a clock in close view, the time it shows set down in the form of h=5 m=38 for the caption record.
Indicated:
h=1 m=9
